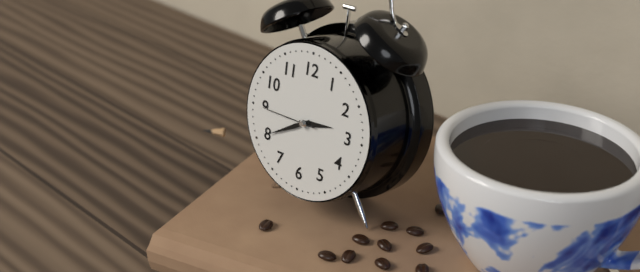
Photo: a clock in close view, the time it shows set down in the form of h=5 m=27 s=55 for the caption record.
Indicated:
h=2 m=40 s=45
